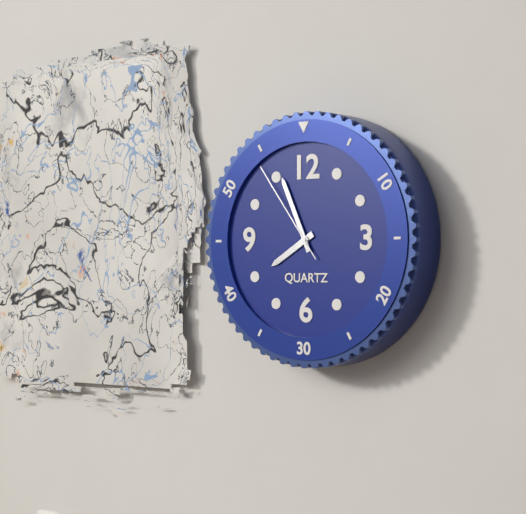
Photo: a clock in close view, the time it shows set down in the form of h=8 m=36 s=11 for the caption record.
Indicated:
h=7 m=56 s=54
